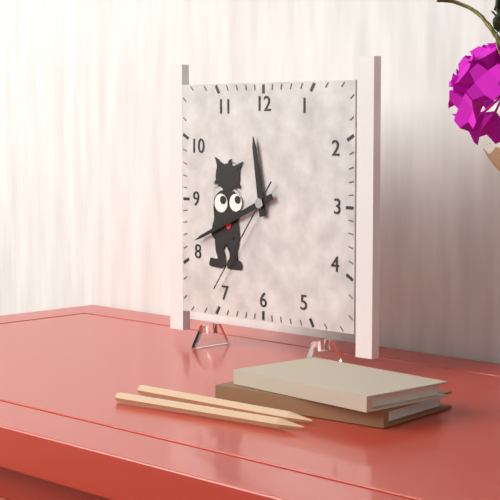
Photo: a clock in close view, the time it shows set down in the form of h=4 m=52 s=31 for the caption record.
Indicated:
h=11 m=41 s=36
